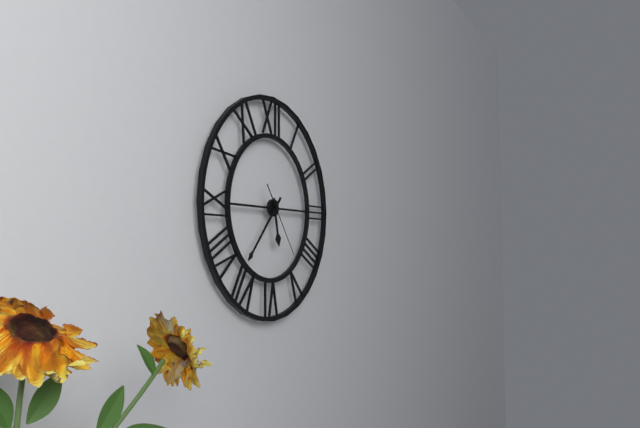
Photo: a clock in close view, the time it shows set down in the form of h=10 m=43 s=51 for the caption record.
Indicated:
h=5 m=37 s=24
